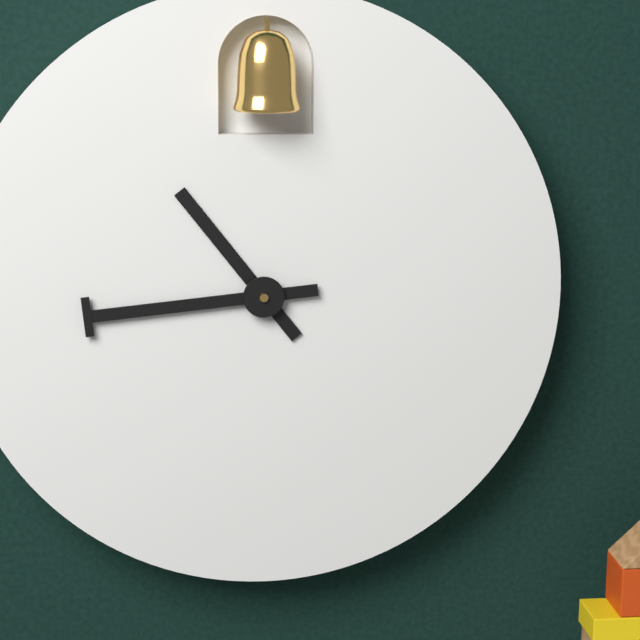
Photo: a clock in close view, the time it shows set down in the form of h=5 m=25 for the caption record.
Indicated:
h=10 m=44
